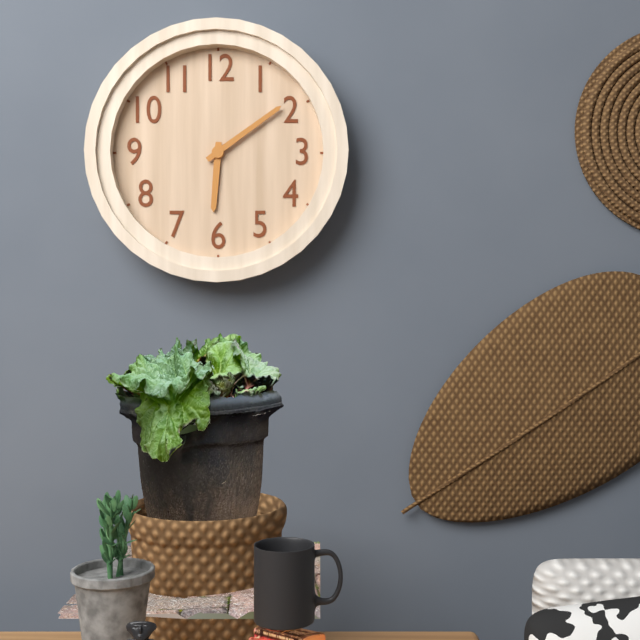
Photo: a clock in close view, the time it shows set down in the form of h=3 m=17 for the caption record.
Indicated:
h=6 m=9
